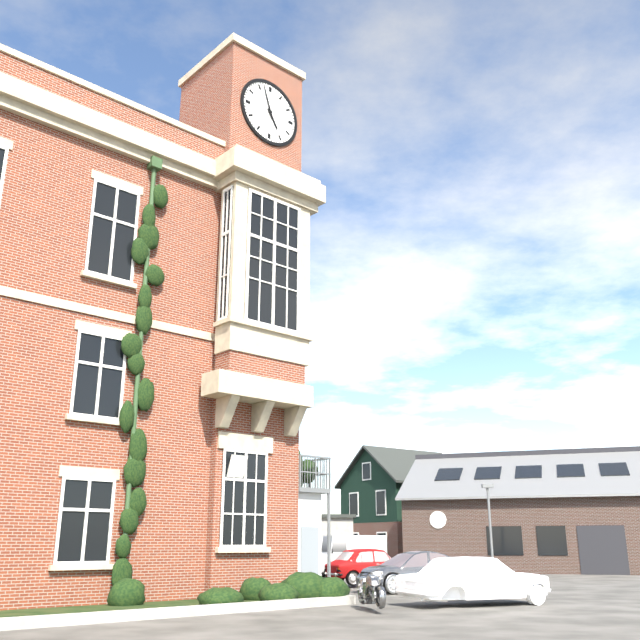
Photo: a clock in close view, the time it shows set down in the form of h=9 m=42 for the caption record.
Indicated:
h=4 m=57
